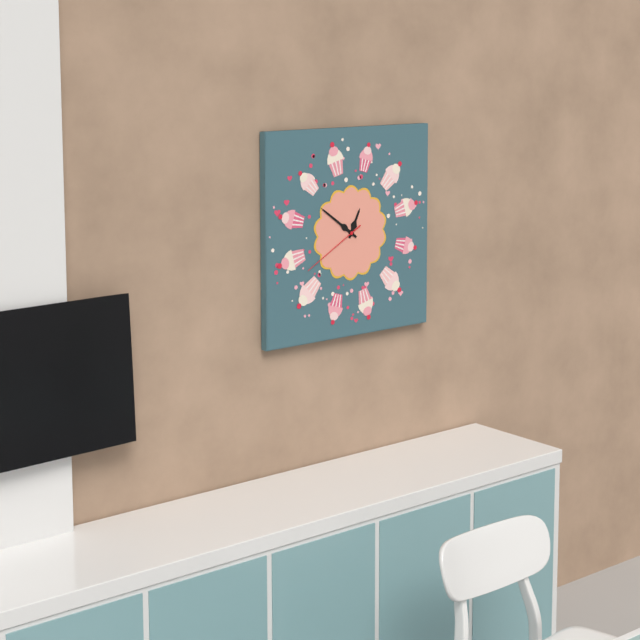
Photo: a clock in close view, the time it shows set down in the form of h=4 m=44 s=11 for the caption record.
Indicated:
h=12 m=51 s=40
